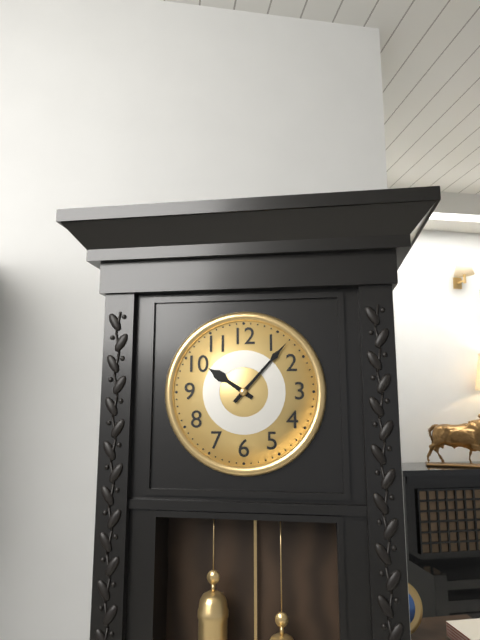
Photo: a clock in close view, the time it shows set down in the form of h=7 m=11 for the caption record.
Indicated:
h=10 m=7
